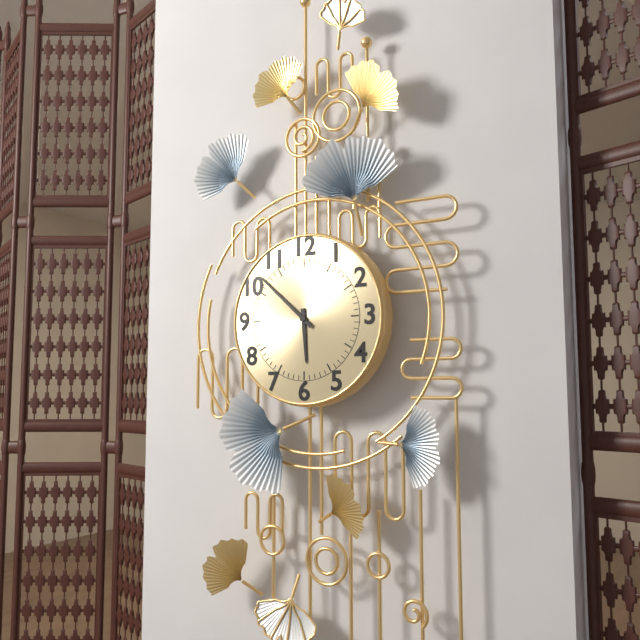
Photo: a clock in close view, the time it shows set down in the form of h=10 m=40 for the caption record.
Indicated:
h=5 m=52
